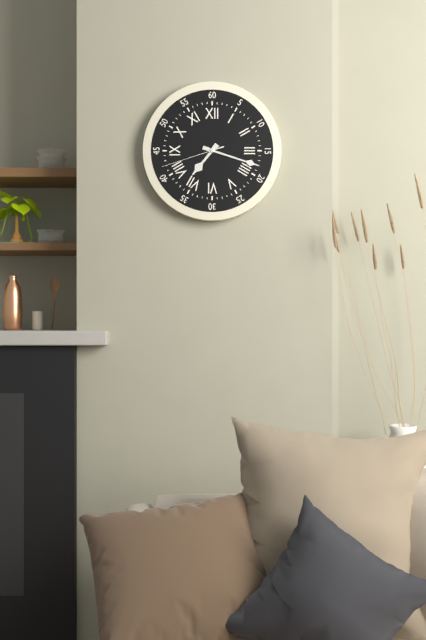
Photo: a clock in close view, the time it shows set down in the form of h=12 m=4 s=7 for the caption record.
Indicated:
h=7 m=18 s=42
